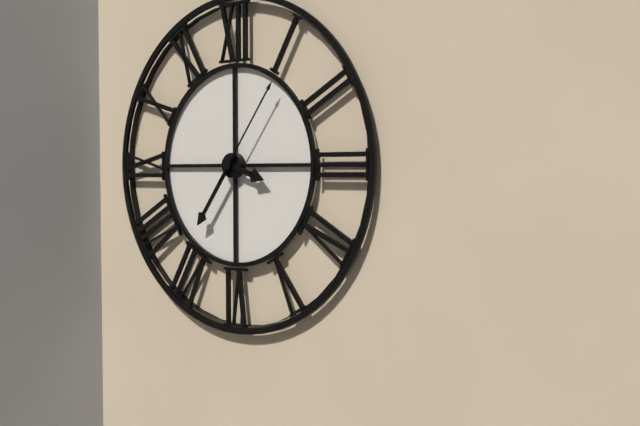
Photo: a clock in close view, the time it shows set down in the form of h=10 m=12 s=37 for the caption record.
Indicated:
h=3 m=36 s=6
